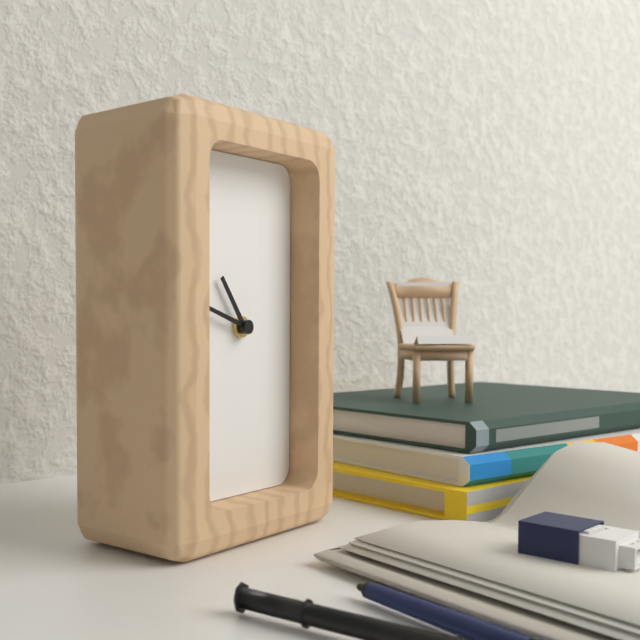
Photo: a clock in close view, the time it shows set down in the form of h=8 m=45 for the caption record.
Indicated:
h=10 m=48
